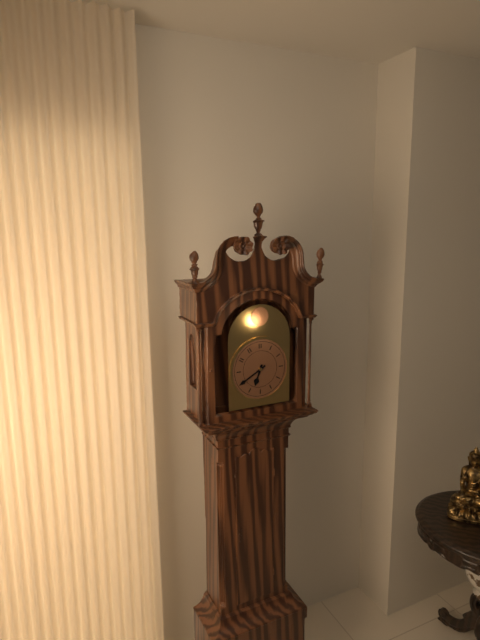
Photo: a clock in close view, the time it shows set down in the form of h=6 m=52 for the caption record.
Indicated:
h=6 m=40
